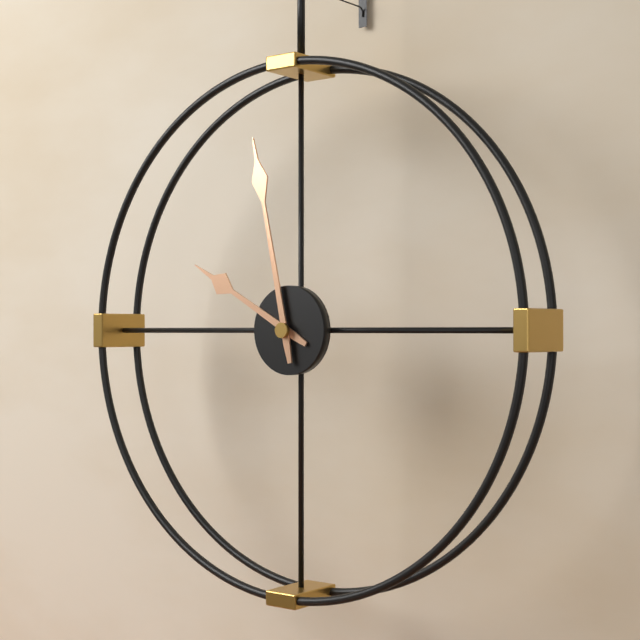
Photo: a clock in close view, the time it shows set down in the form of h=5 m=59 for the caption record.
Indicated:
h=9 m=58
